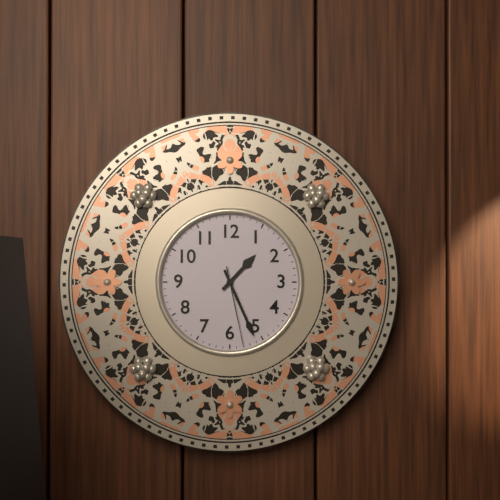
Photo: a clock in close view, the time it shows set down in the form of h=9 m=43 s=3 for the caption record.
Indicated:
h=1 m=26 s=28
